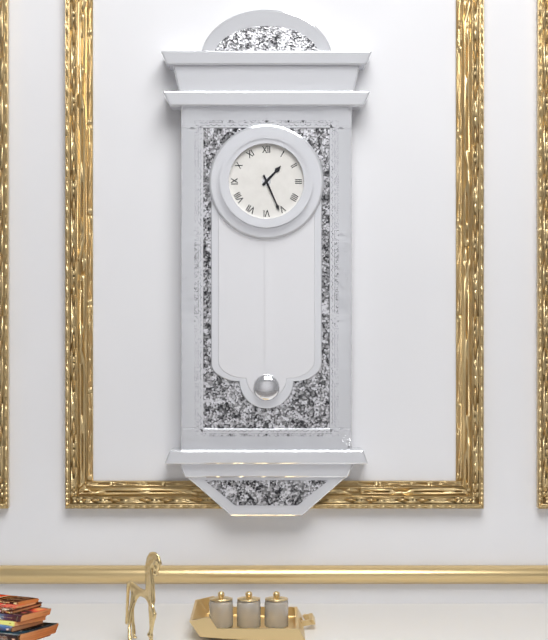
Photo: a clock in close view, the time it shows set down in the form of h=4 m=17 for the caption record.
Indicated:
h=1 m=26
